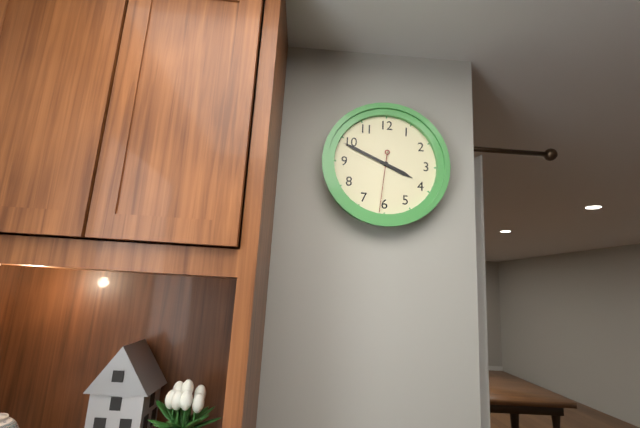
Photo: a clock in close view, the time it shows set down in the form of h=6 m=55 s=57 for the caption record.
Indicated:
h=3 m=49 s=31
